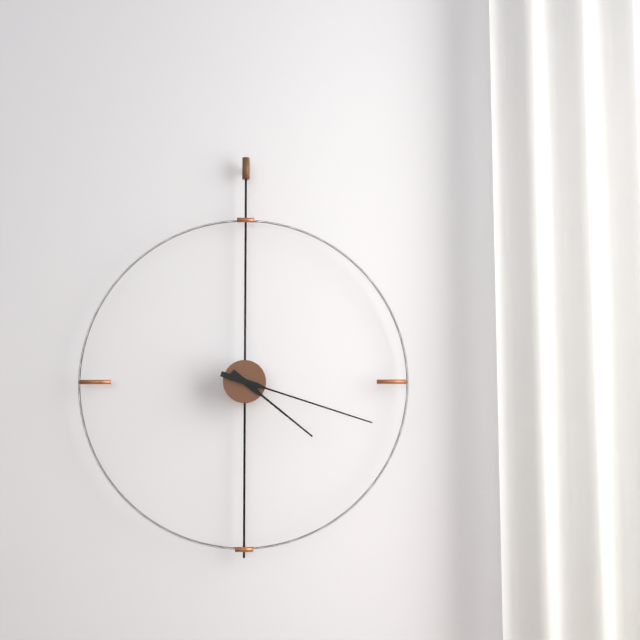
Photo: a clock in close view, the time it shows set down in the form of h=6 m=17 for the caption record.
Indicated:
h=4 m=18
